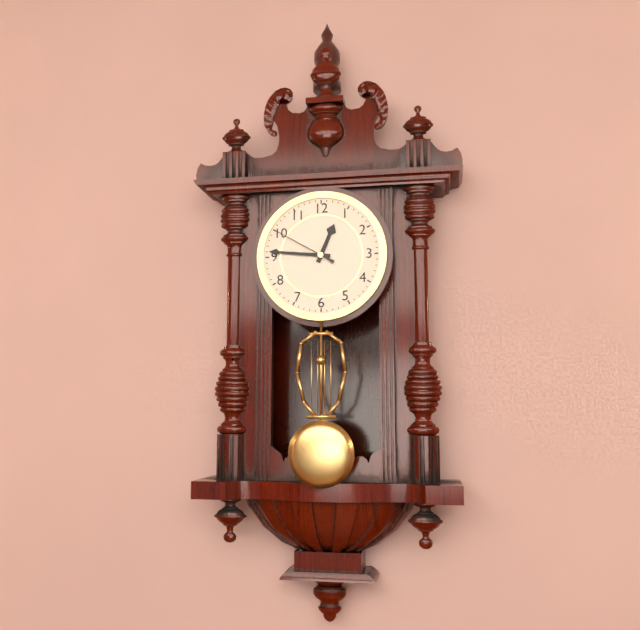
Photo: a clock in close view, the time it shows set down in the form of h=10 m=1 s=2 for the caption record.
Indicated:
h=12 m=46 s=50
